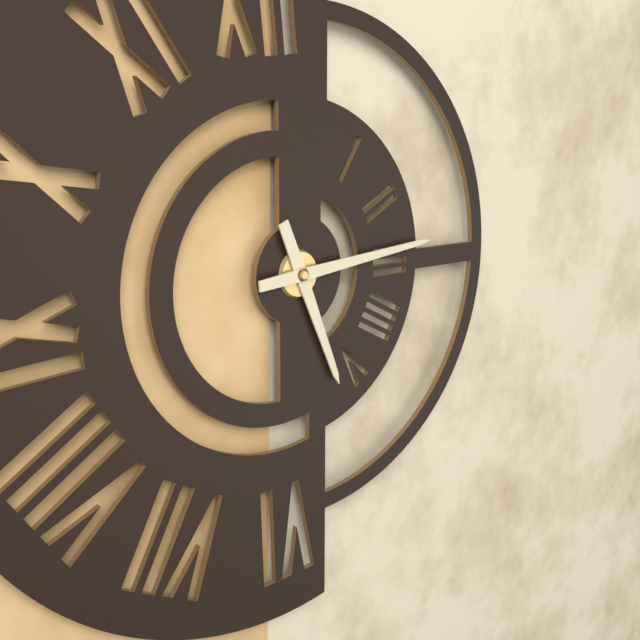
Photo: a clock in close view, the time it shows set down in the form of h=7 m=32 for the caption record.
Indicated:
h=5 m=14
